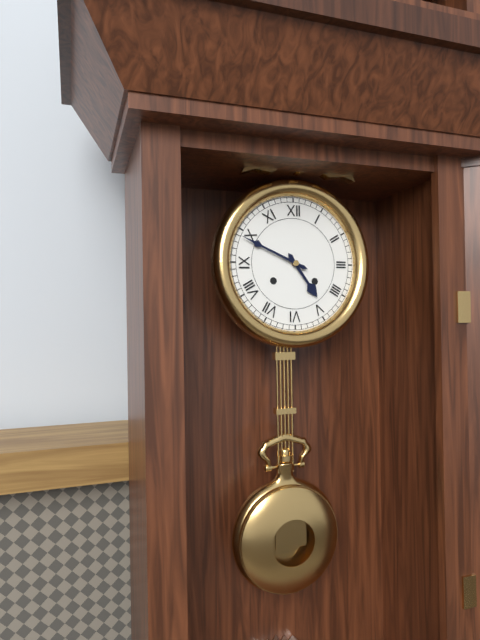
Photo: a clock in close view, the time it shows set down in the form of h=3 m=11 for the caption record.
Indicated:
h=4 m=49
